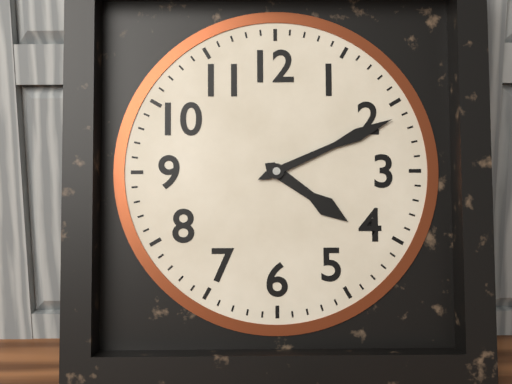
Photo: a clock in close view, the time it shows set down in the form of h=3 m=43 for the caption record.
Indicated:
h=4 m=11
